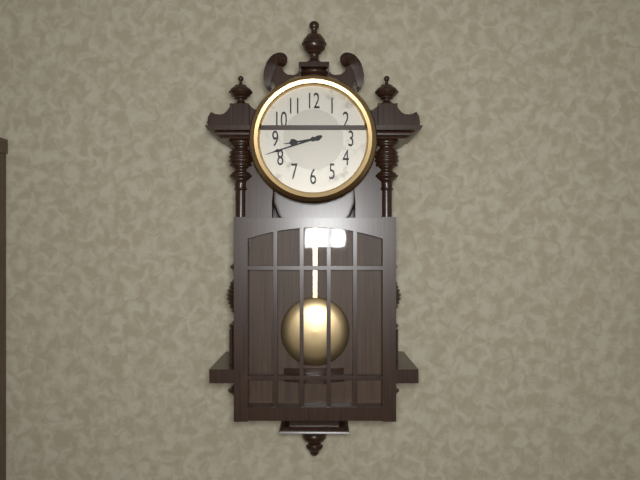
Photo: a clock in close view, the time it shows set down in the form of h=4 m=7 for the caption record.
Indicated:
h=8 m=42
